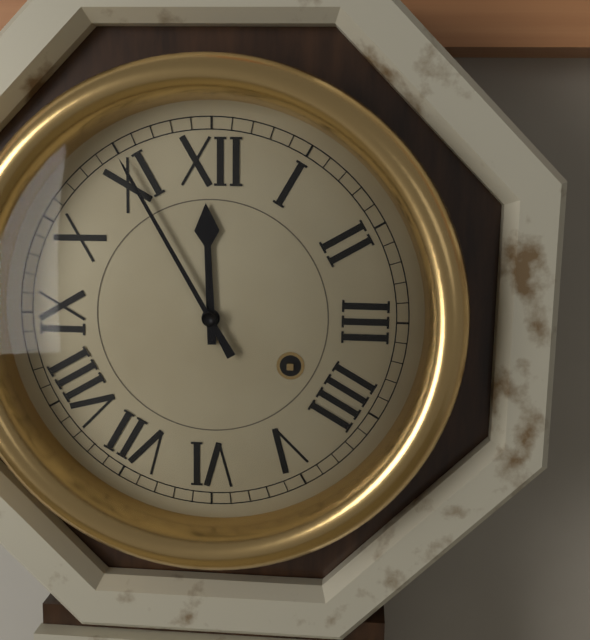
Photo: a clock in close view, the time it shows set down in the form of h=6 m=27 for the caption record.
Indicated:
h=11 m=55
